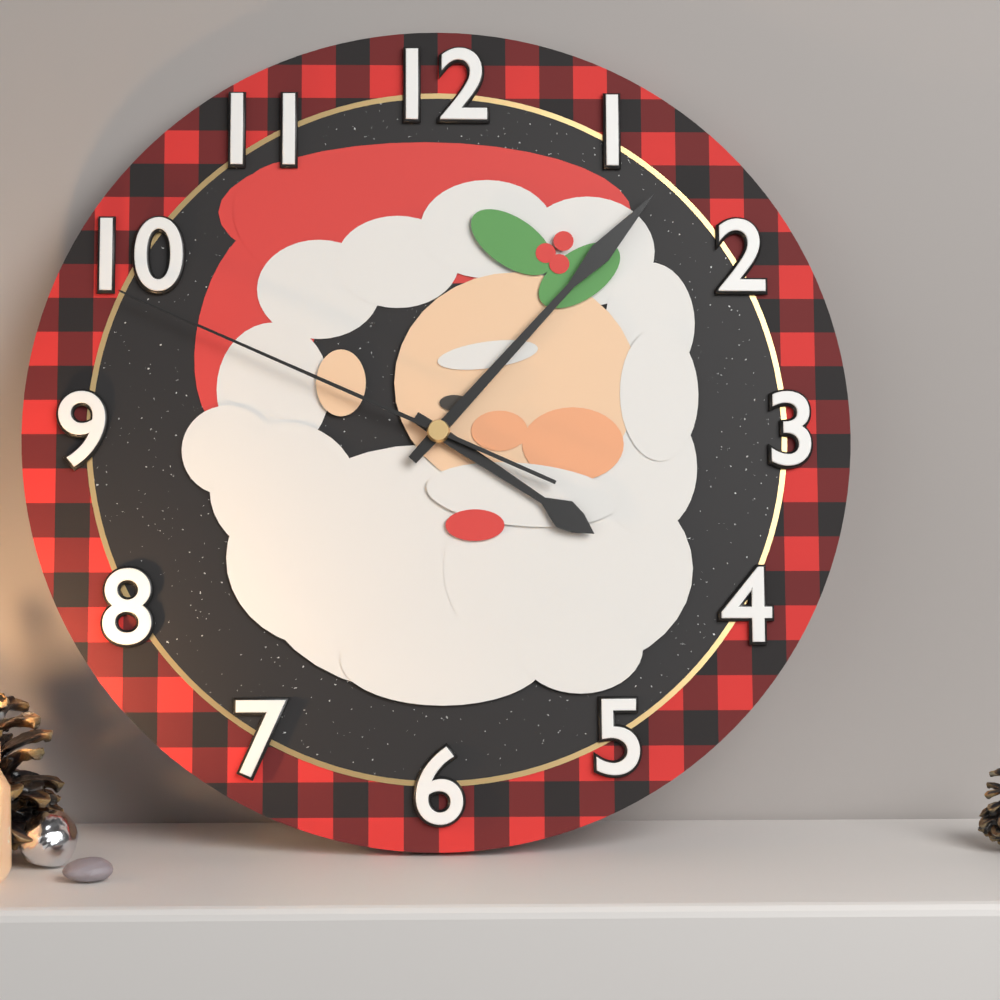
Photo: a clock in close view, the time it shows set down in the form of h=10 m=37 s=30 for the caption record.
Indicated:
h=4 m=7 s=49
